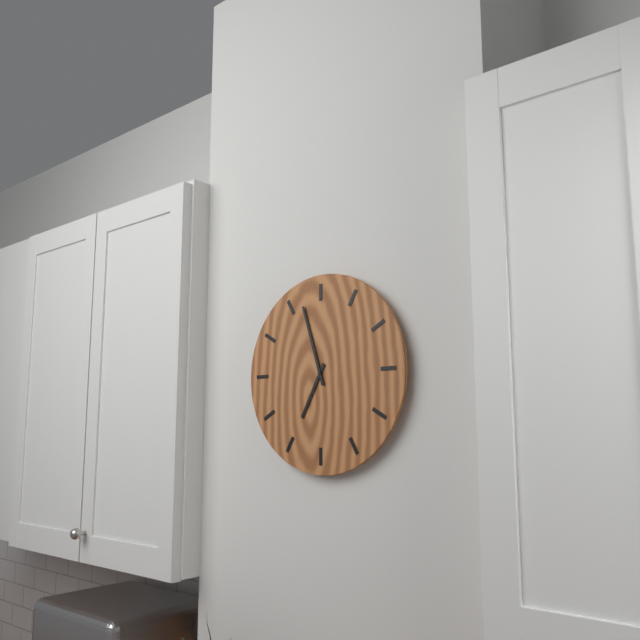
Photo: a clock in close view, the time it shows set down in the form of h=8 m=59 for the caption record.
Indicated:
h=6 m=57
